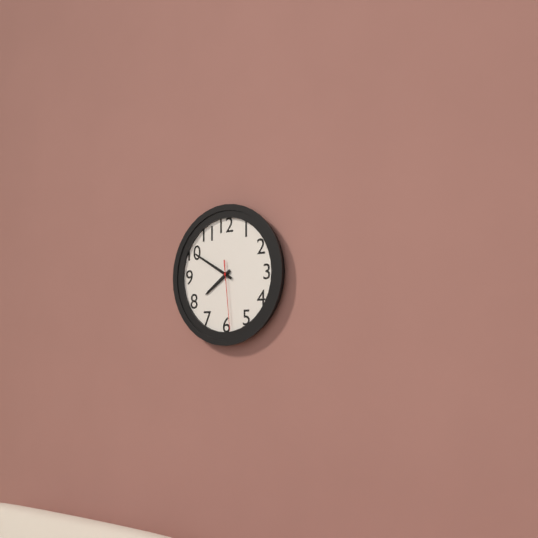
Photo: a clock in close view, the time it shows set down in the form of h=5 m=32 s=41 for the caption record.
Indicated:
h=7 m=50 s=29
